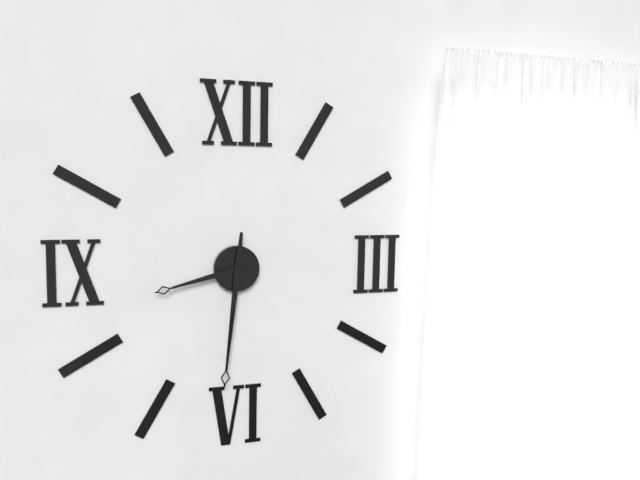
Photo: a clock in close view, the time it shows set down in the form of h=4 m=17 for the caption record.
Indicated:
h=8 m=31
